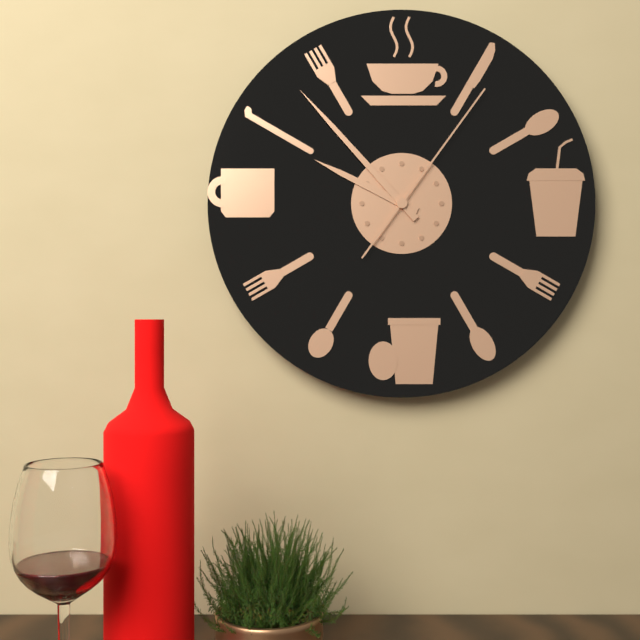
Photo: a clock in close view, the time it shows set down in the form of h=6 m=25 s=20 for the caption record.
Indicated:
h=9 m=53 s=6
